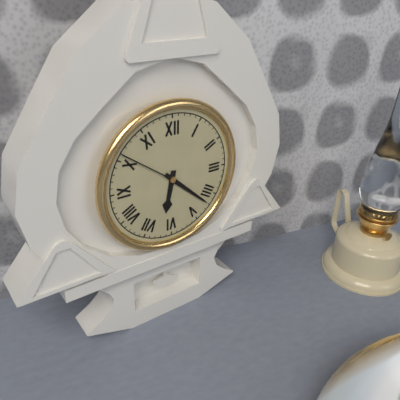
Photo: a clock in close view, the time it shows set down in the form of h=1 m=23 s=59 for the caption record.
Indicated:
h=6 m=22 s=51
